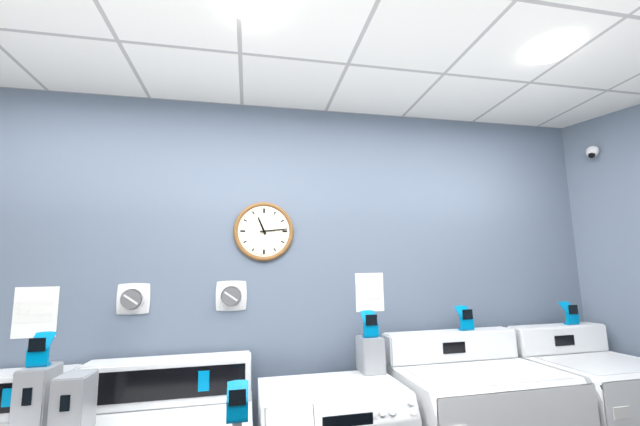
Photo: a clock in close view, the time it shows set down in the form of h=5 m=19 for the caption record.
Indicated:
h=11 m=14
